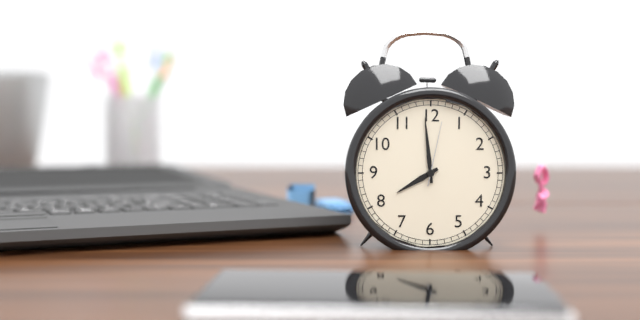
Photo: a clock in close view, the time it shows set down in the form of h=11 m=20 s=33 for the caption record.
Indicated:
h=7 m=59 s=2
